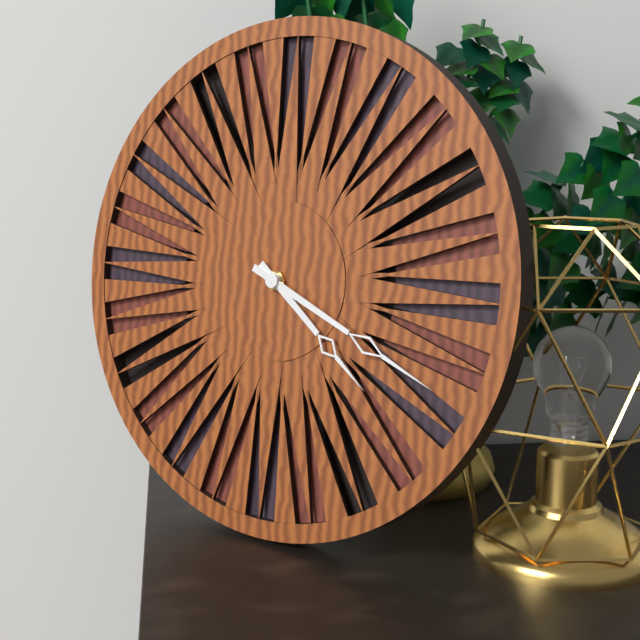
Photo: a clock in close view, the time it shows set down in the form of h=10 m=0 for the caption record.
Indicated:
h=4 m=19
